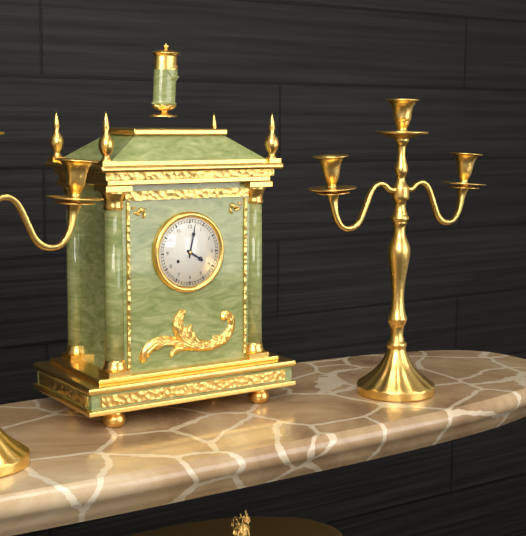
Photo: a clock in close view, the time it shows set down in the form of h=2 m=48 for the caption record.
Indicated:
h=4 m=2
